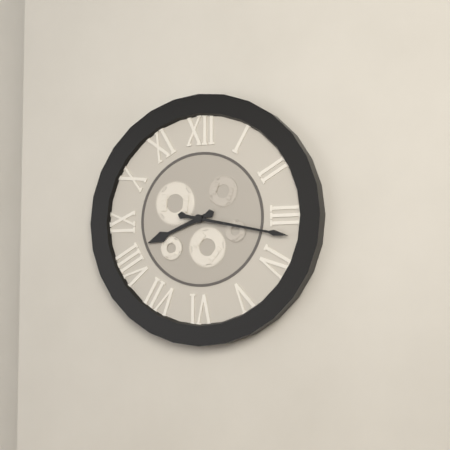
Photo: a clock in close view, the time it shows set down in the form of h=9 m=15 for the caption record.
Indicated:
h=8 m=17
